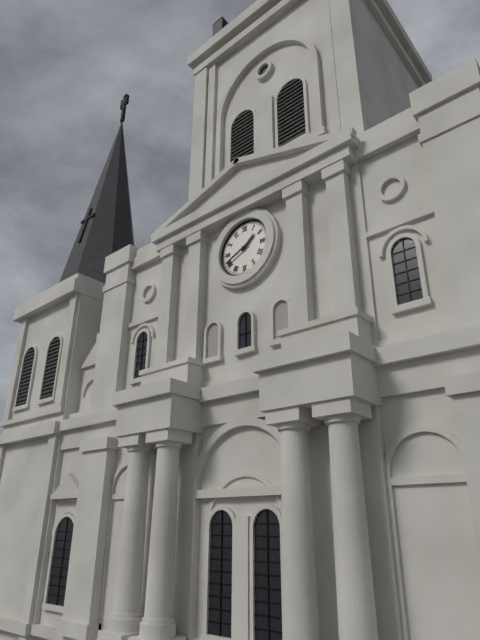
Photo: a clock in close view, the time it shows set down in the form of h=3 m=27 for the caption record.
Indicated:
h=1 m=41
